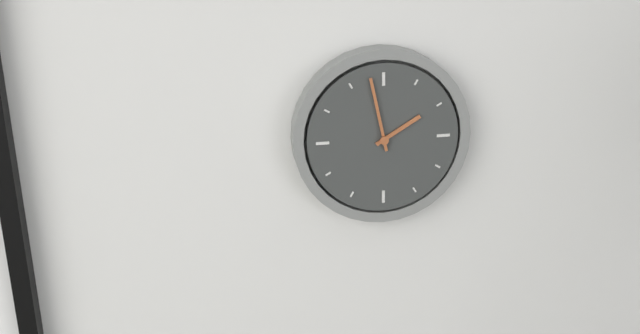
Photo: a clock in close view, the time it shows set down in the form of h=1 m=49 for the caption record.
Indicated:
h=1 m=58
